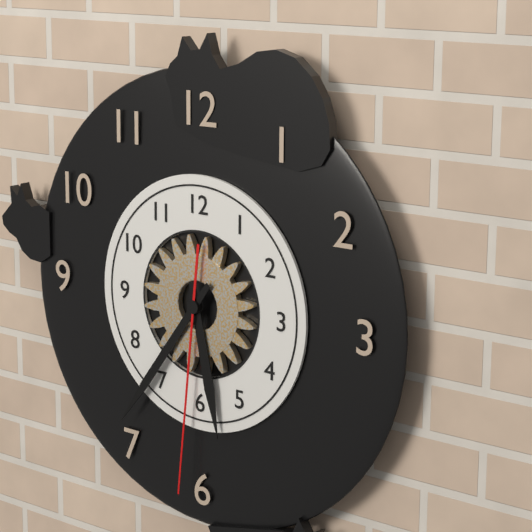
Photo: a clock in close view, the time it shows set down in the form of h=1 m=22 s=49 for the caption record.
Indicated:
h=5 m=36 s=31
